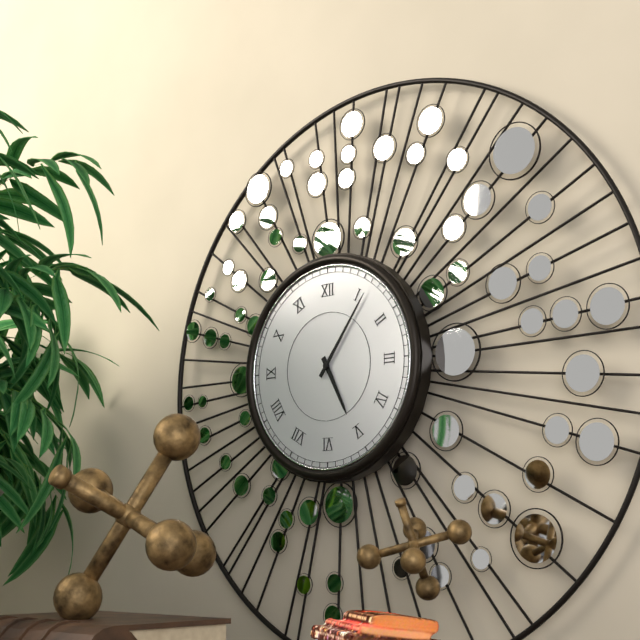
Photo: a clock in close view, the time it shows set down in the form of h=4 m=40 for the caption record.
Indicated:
h=5 m=6
